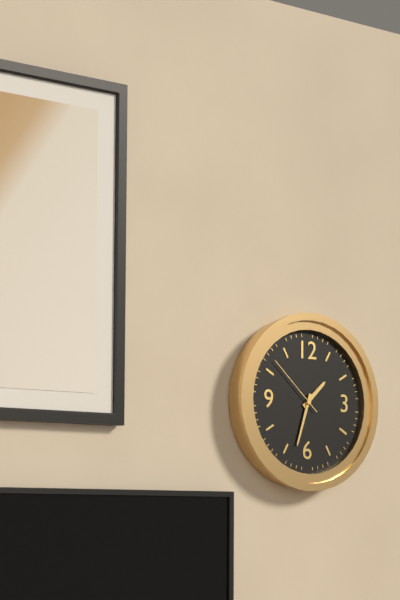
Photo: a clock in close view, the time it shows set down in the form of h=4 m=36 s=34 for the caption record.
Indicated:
h=1 m=33 s=52
